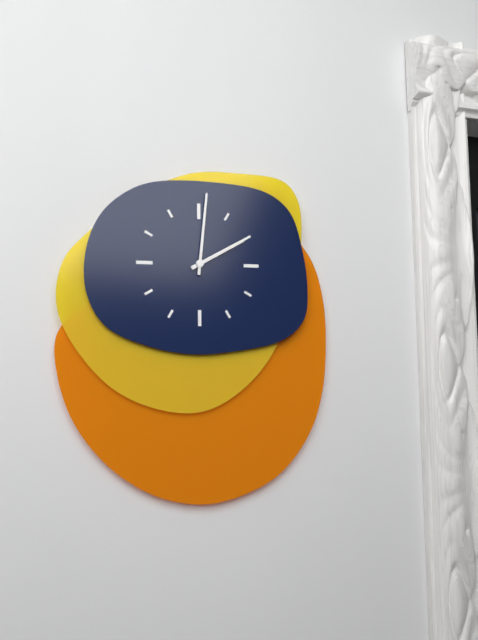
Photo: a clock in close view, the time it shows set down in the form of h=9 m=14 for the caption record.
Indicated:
h=2 m=1
